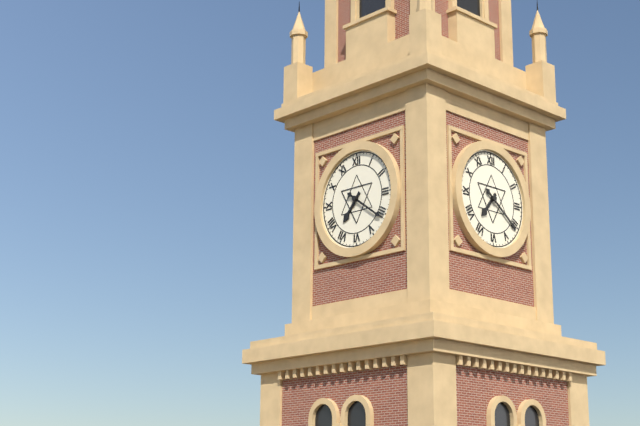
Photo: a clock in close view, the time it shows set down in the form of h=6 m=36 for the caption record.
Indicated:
h=7 m=21
